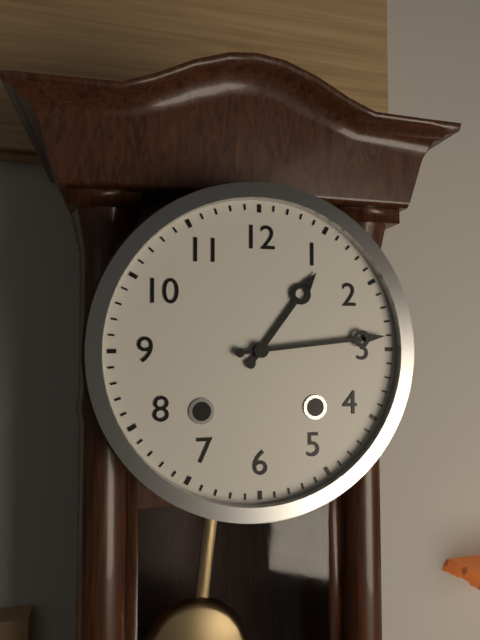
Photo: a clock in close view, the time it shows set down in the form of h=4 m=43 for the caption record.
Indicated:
h=1 m=14
